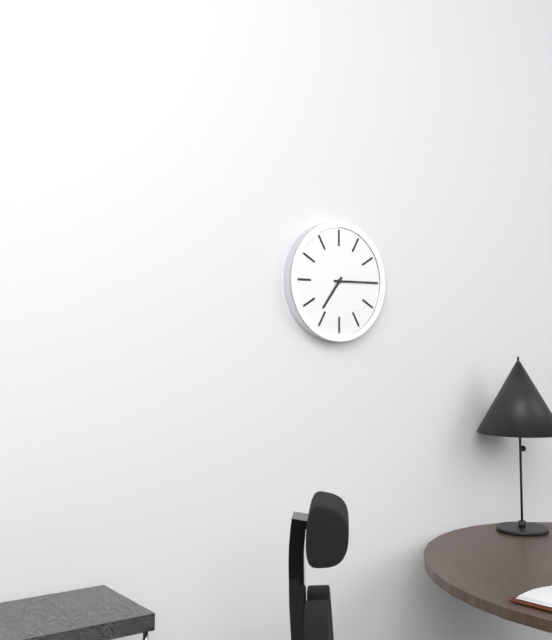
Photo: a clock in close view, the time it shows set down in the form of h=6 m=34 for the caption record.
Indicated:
h=7 m=15
